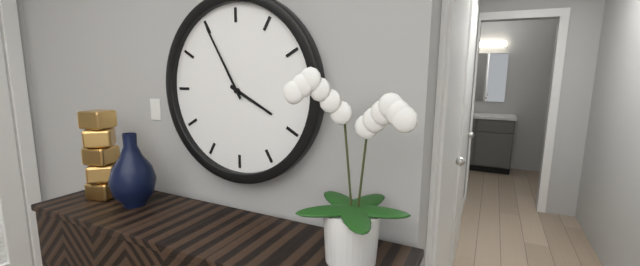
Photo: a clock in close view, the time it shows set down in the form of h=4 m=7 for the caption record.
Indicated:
h=3 m=55
